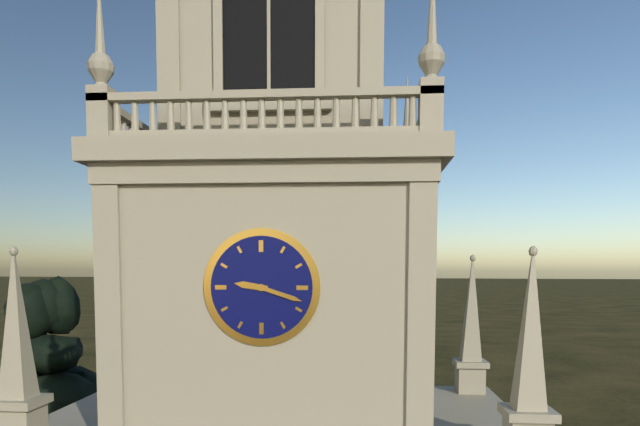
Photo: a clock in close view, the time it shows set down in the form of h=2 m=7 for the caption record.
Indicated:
h=9 m=18
